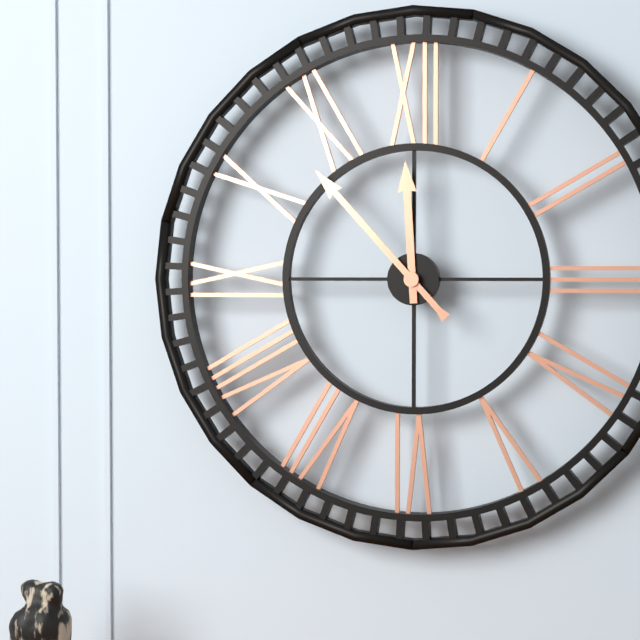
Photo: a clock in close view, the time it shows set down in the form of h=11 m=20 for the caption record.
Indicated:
h=11 m=53
